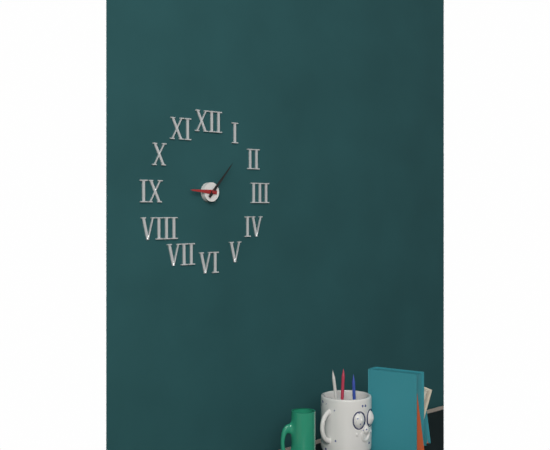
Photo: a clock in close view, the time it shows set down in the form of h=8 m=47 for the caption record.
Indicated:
h=9 m=7
